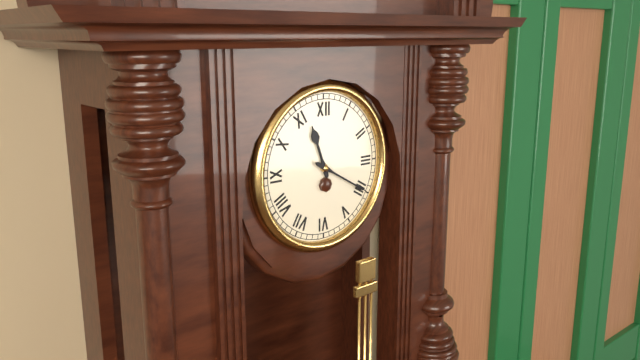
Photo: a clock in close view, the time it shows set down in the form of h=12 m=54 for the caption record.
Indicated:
h=11 m=20
